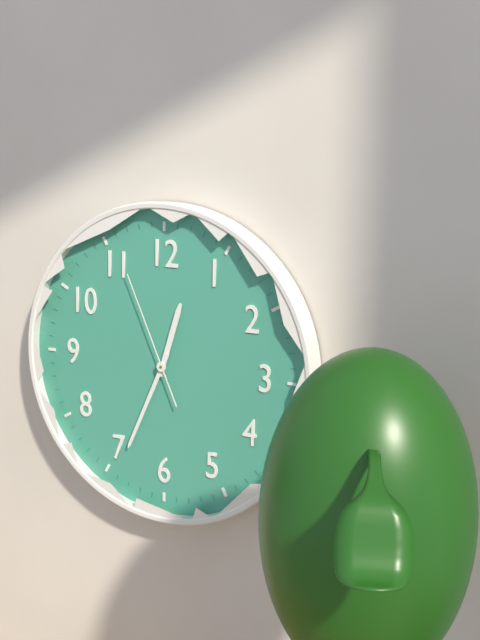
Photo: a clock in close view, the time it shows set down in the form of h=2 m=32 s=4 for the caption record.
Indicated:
h=12 m=34 s=56
